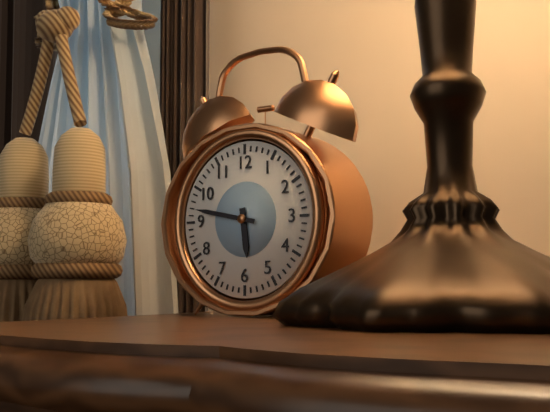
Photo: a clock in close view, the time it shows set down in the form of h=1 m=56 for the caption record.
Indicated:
h=5 m=47
